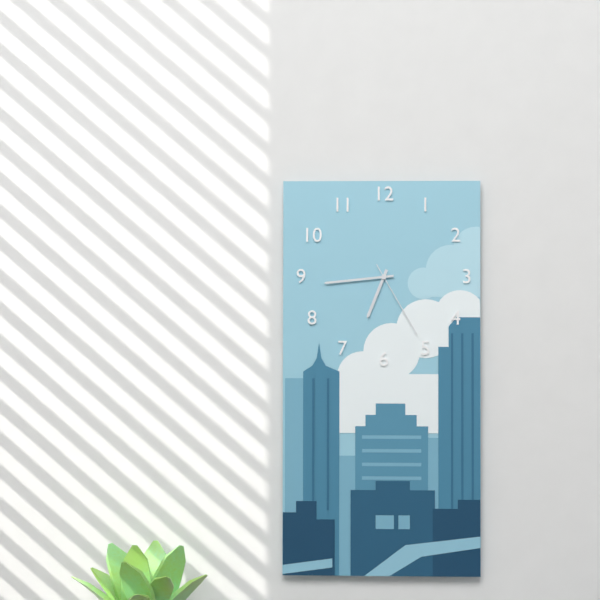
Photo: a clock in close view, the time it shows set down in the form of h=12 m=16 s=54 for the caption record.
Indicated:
h=6 m=44 s=25
